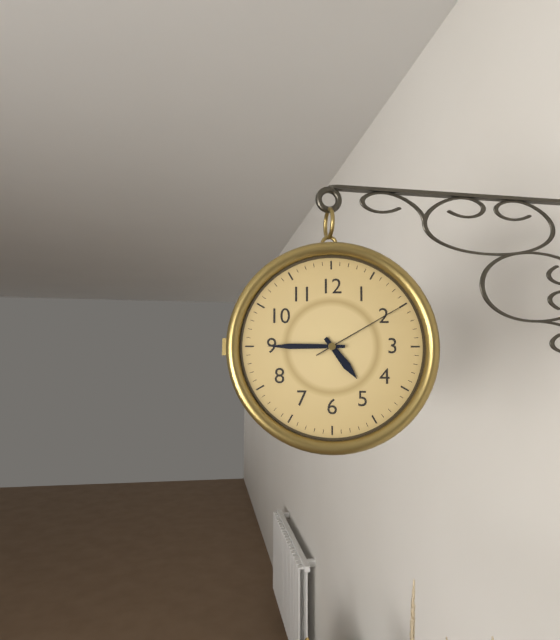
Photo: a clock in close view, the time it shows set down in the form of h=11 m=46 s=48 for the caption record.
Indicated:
h=4 m=45 s=10
